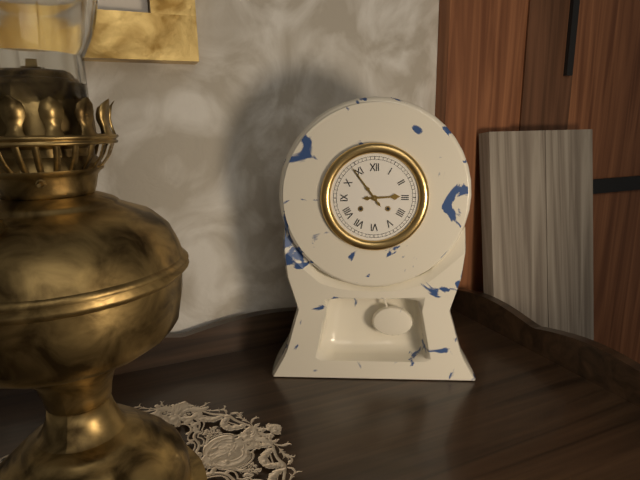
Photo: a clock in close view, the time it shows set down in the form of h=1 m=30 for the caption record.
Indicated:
h=2 m=54
